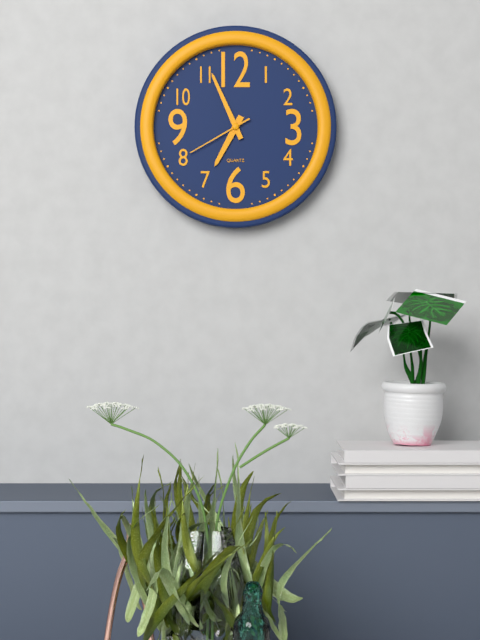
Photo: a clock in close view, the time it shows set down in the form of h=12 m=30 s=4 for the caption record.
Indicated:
h=6 m=56 s=40
